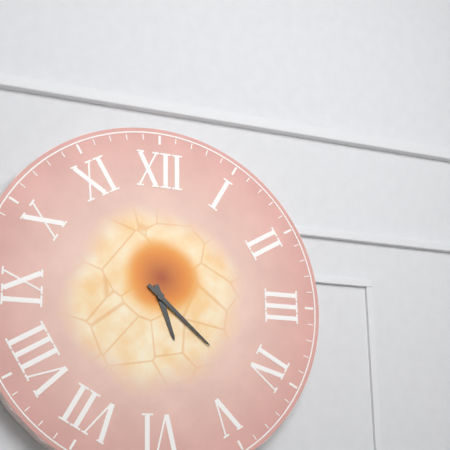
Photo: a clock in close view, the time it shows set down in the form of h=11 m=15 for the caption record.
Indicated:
h=5 m=22
